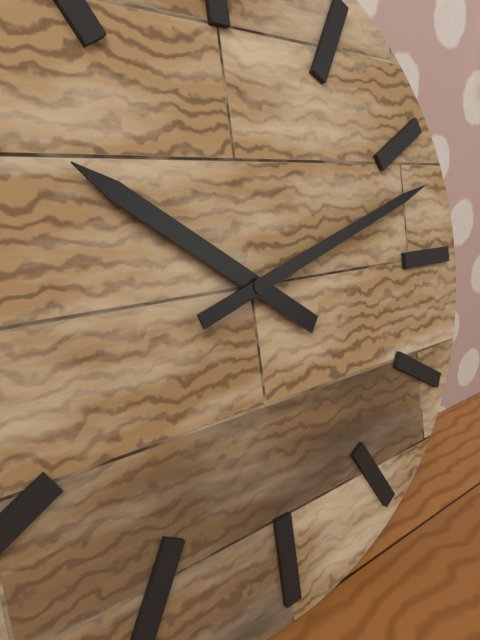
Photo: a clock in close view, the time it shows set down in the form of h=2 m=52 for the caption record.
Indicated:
h=10 m=12
